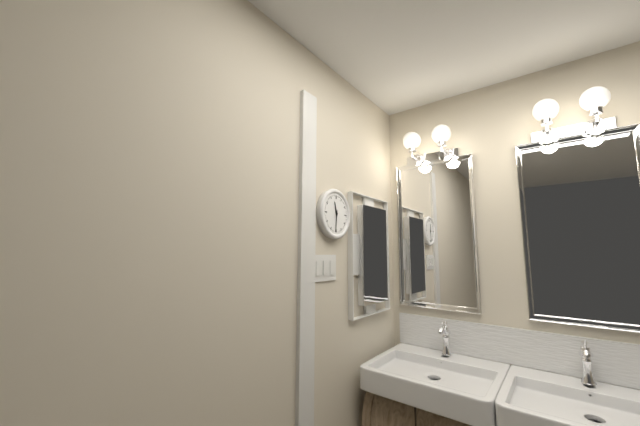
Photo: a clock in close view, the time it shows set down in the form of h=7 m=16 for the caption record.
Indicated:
h=11 m=31
